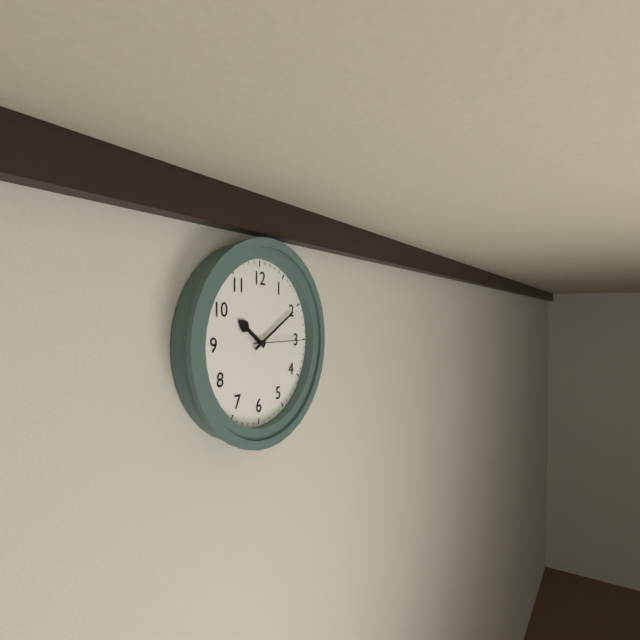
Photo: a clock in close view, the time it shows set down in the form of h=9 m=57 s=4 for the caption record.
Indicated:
h=10 m=10 s=15
